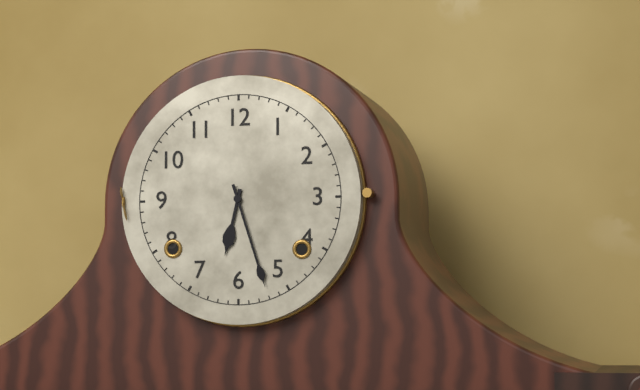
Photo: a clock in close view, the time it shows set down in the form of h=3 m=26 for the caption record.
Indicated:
h=6 m=27
